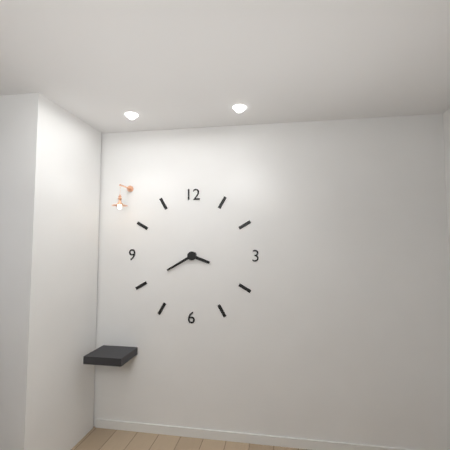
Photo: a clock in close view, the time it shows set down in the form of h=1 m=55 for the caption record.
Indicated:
h=3 m=40
